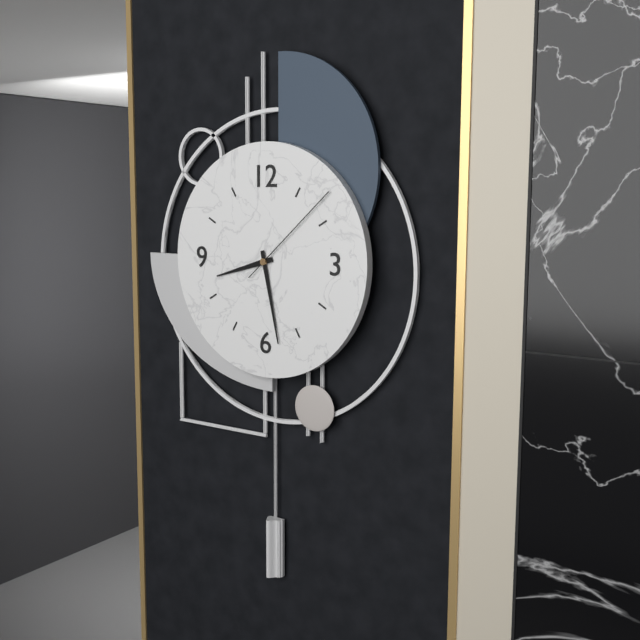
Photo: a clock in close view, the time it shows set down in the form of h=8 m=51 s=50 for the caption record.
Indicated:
h=8 m=28 s=8
